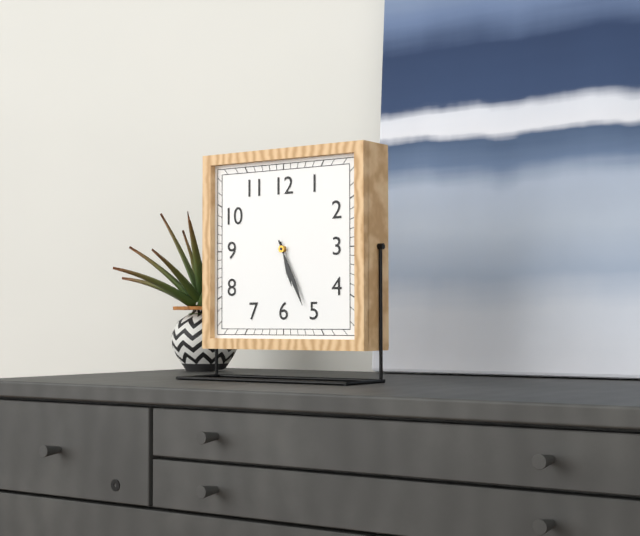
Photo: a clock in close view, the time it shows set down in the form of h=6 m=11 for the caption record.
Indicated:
h=5 m=26
